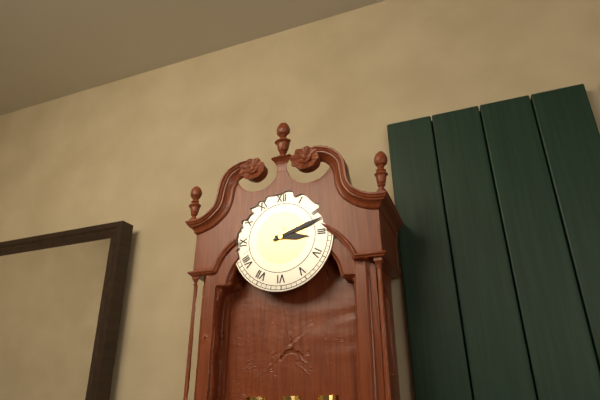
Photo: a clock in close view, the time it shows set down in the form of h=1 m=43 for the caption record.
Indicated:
h=3 m=12
